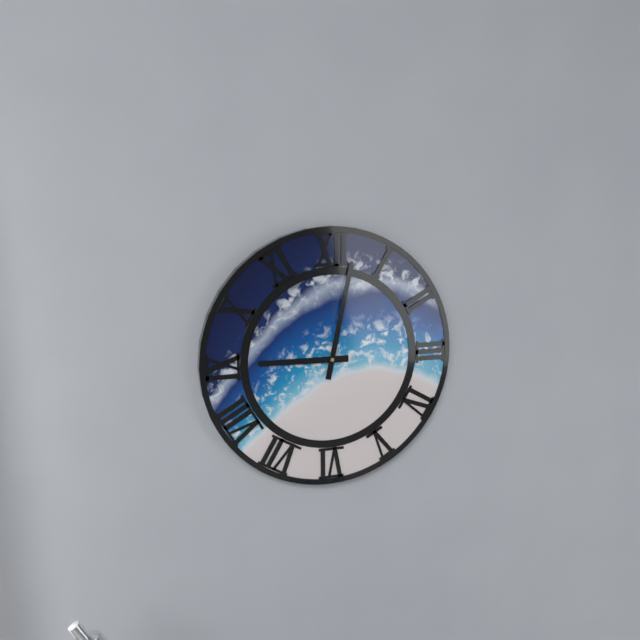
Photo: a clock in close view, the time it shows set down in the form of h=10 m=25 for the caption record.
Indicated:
h=9 m=2
